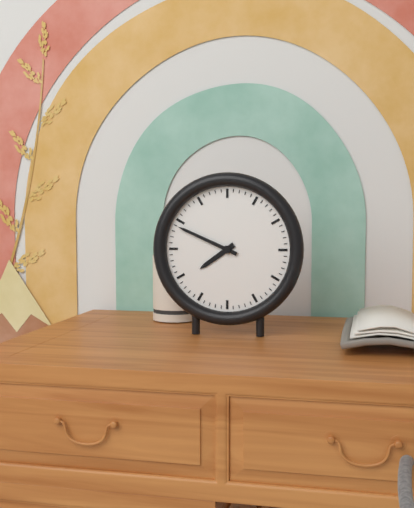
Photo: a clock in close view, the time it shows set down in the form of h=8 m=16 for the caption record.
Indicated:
h=7 m=49
